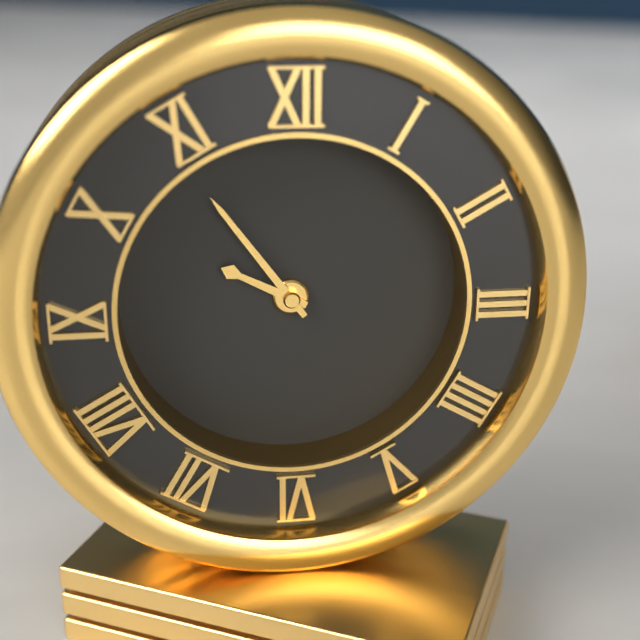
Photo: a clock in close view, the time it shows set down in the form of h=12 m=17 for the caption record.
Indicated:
h=9 m=54
